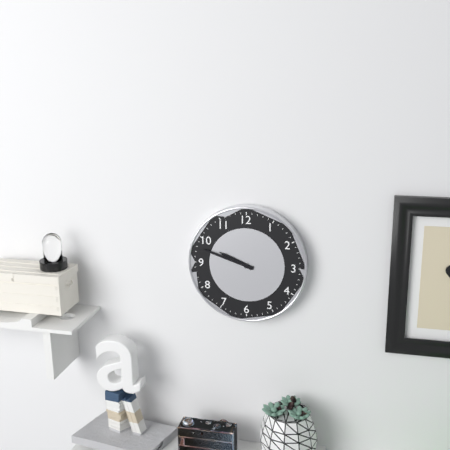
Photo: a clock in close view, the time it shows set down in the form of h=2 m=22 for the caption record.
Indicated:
h=9 m=48
